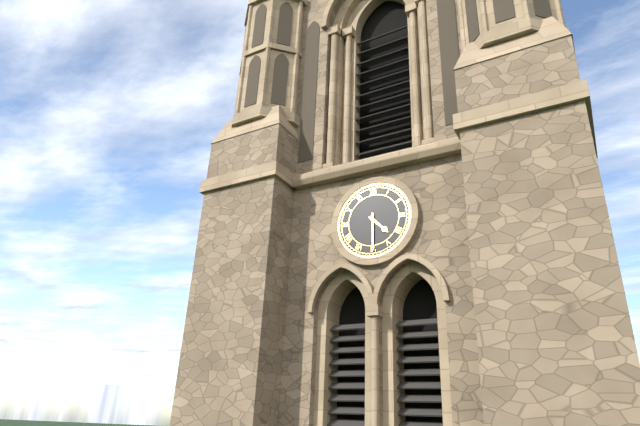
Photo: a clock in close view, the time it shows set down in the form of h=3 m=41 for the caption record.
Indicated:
h=4 m=30
